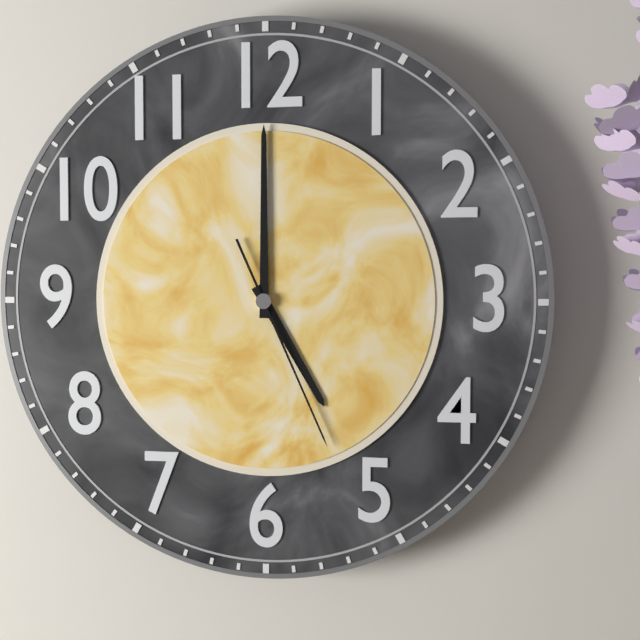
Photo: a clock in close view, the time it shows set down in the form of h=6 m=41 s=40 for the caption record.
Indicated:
h=5 m=0 s=26
